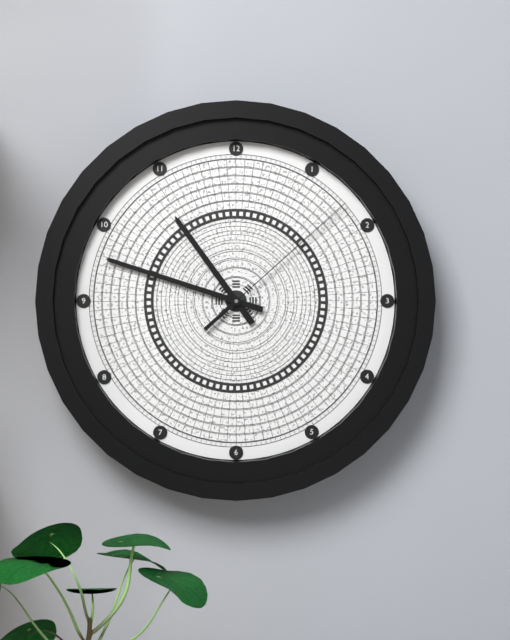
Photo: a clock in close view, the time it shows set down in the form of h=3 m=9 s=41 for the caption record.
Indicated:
h=10 m=48 s=8
